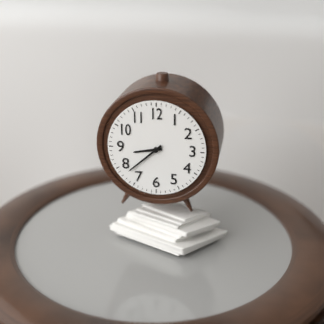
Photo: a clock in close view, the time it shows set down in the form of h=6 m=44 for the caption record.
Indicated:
h=8 m=38
